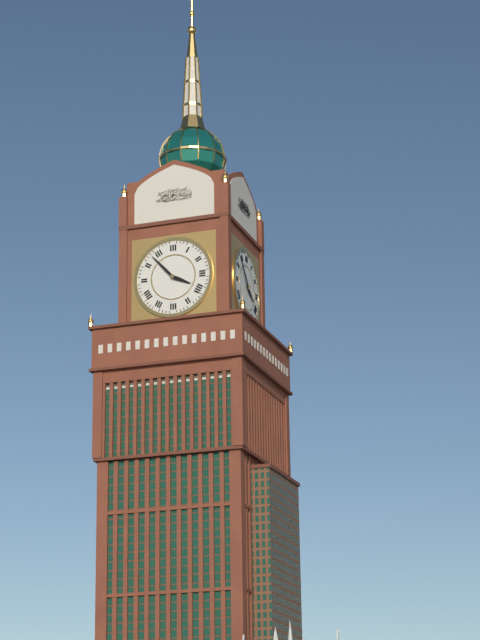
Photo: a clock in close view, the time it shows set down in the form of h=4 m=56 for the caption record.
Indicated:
h=3 m=53
